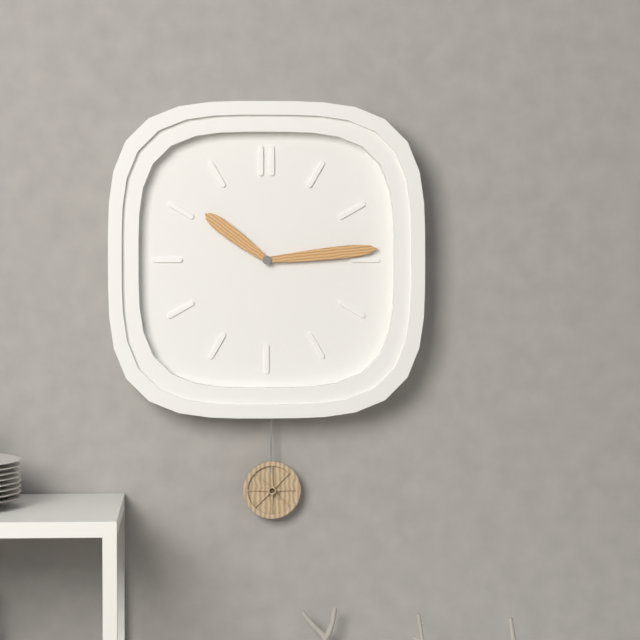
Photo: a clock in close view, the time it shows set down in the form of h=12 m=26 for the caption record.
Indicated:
h=10 m=14
